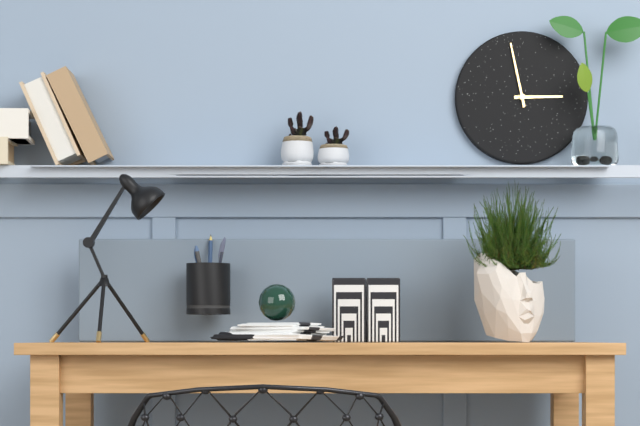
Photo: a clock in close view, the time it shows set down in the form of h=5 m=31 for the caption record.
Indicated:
h=2 m=58
